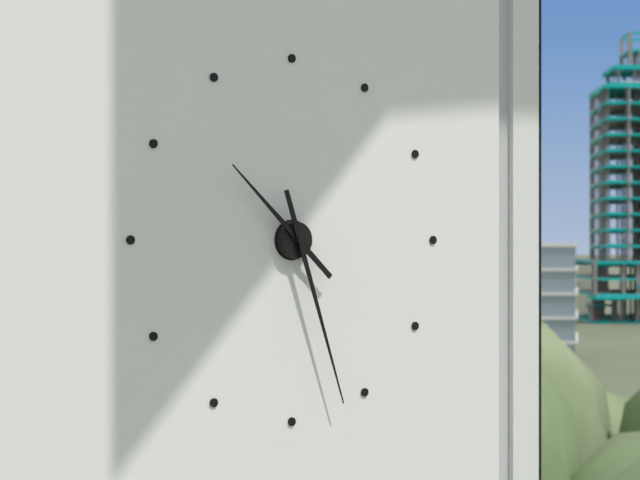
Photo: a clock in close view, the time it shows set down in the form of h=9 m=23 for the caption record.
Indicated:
h=10 m=27
